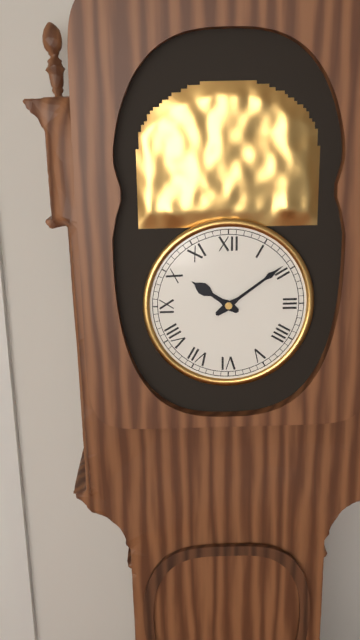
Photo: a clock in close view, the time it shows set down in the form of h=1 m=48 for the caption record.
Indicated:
h=10 m=9
